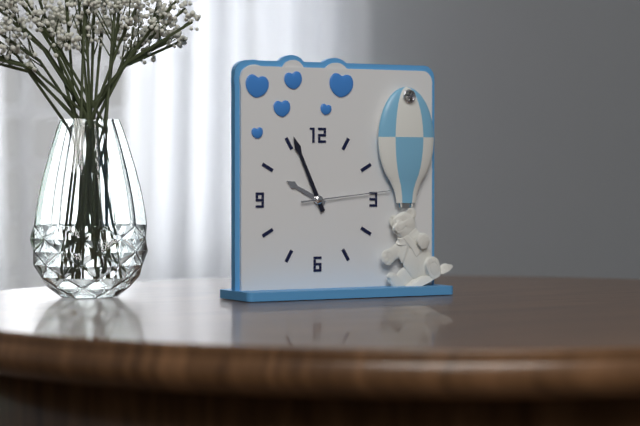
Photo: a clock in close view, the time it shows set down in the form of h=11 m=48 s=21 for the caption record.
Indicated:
h=9 m=56 s=14
